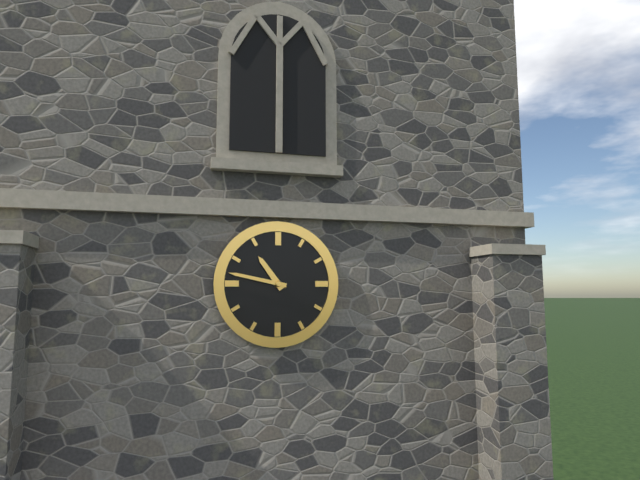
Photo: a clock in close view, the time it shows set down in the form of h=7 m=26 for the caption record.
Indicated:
h=10 m=47
